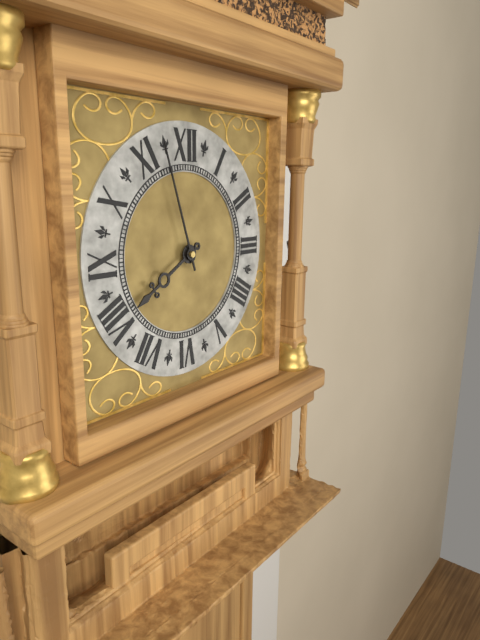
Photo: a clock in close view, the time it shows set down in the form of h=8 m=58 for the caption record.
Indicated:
h=7 m=57
